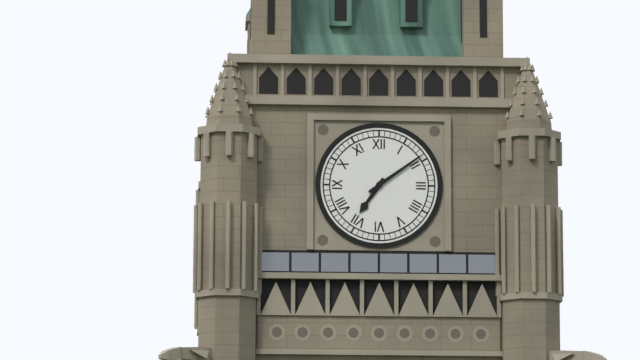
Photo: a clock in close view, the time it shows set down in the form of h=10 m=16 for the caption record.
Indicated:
h=7 m=9
